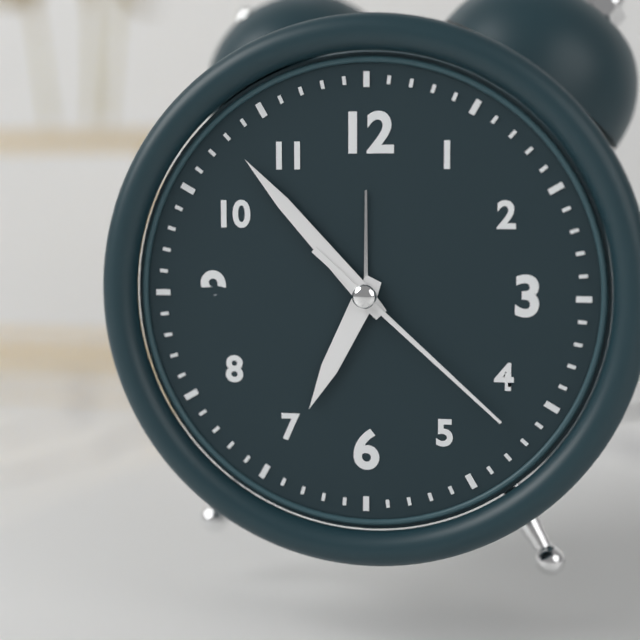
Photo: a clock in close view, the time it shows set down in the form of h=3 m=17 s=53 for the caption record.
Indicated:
h=6 m=53 s=22
